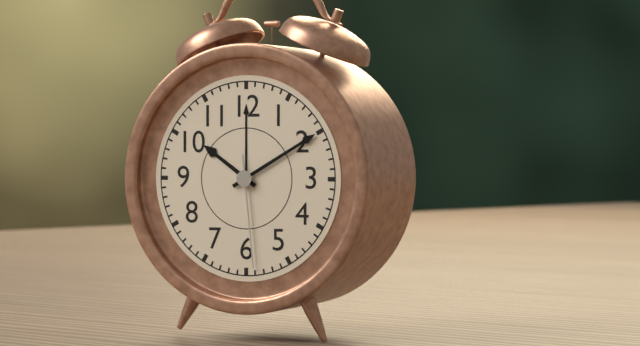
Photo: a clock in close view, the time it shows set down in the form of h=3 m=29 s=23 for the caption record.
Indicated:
h=10 m=10 s=29
